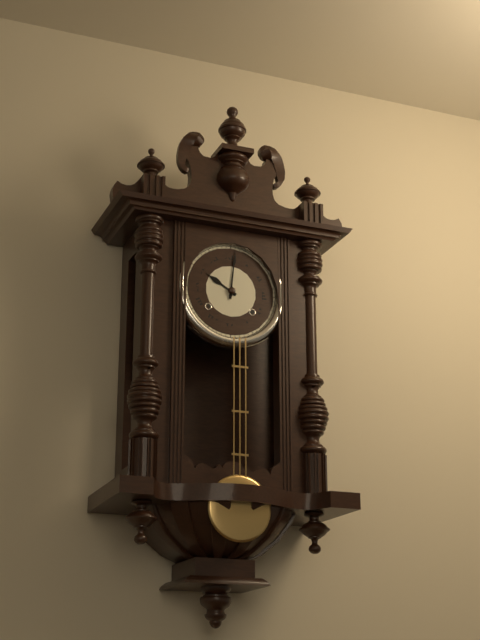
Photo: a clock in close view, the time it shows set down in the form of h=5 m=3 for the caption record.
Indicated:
h=10 m=1
